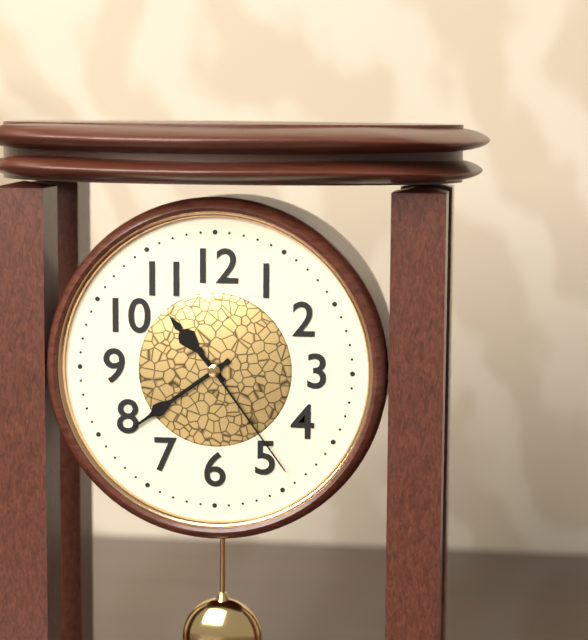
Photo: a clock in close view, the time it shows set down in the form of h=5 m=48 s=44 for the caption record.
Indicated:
h=10 m=39 s=24
